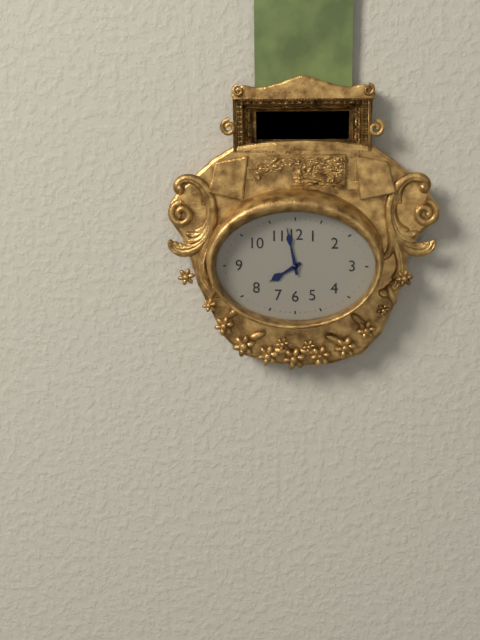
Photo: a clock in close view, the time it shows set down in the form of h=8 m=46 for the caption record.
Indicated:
h=7 m=58
